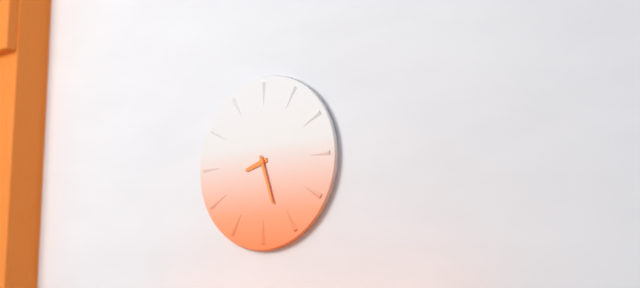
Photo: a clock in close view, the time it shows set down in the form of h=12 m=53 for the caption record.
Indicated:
h=8 m=27
